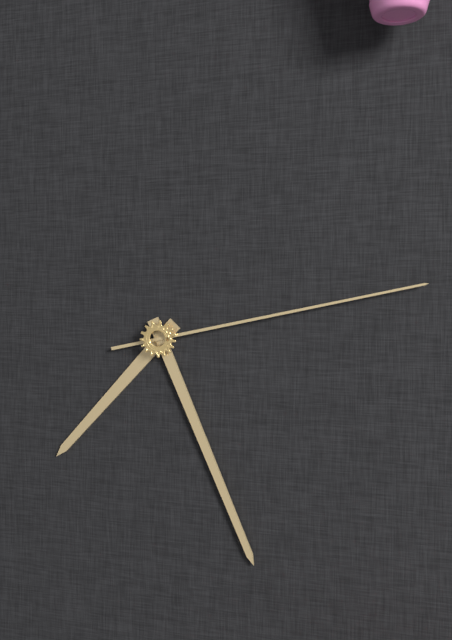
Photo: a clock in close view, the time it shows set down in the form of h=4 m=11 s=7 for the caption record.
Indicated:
h=7 m=26 s=13
